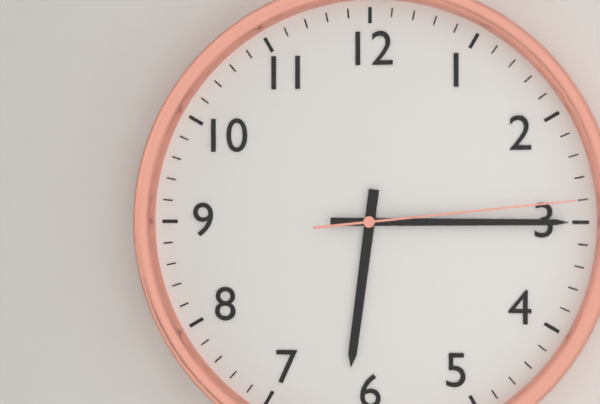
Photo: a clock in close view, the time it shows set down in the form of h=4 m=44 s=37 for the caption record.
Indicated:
h=6 m=15 s=14
